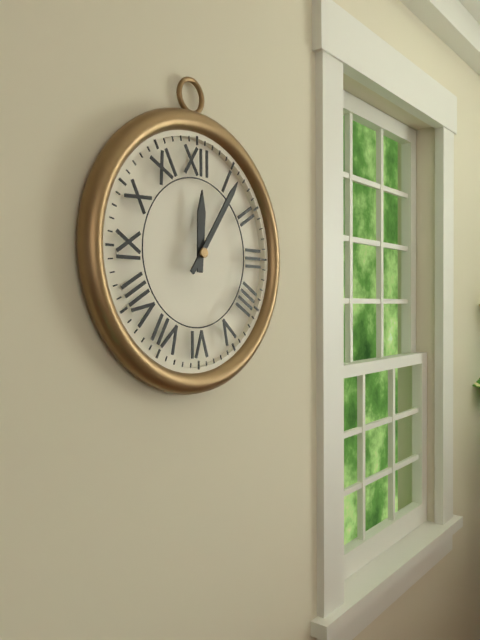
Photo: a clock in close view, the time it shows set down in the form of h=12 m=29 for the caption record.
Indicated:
h=12 m=6
